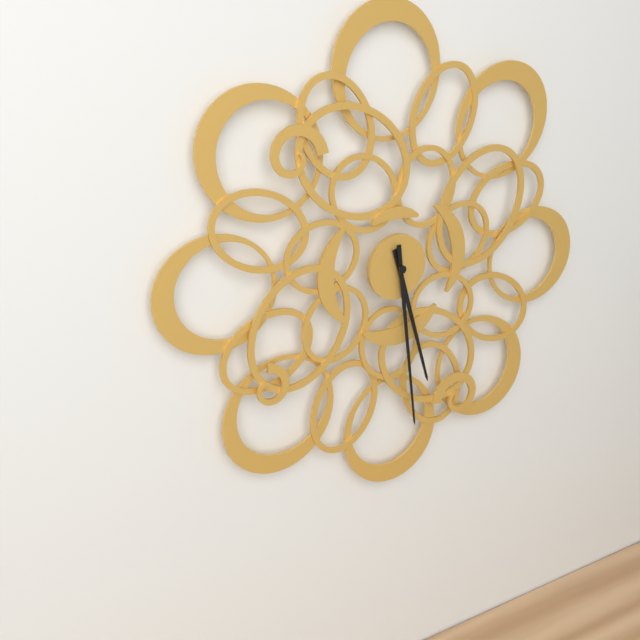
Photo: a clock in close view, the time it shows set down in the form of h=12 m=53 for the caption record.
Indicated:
h=5 m=29
